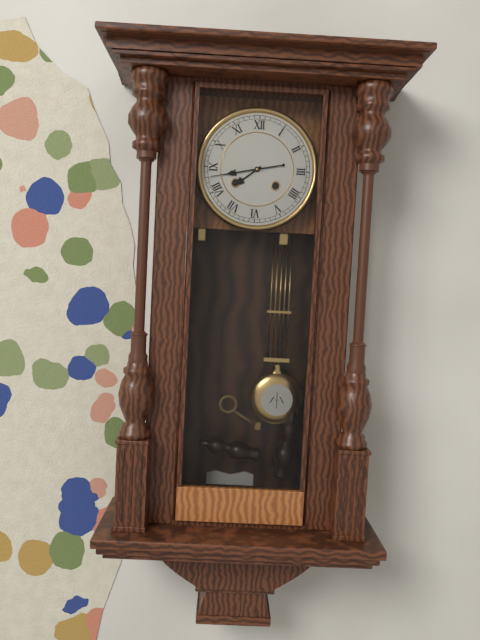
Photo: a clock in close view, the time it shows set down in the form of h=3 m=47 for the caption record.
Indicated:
h=7 m=43
